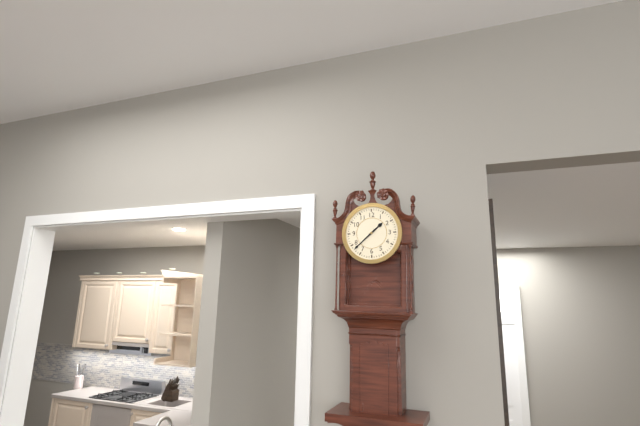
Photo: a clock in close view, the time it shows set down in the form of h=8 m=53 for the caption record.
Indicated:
h=1 m=38
